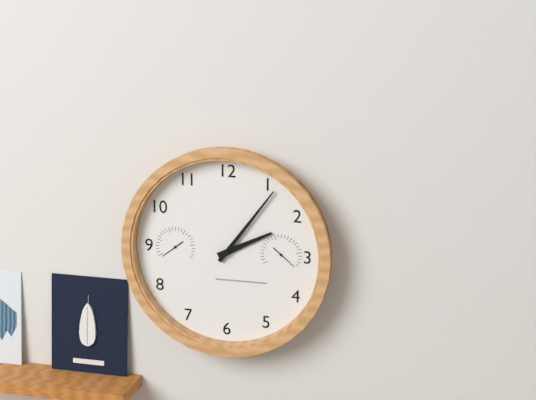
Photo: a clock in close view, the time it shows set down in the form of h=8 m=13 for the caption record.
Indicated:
h=2 m=6
